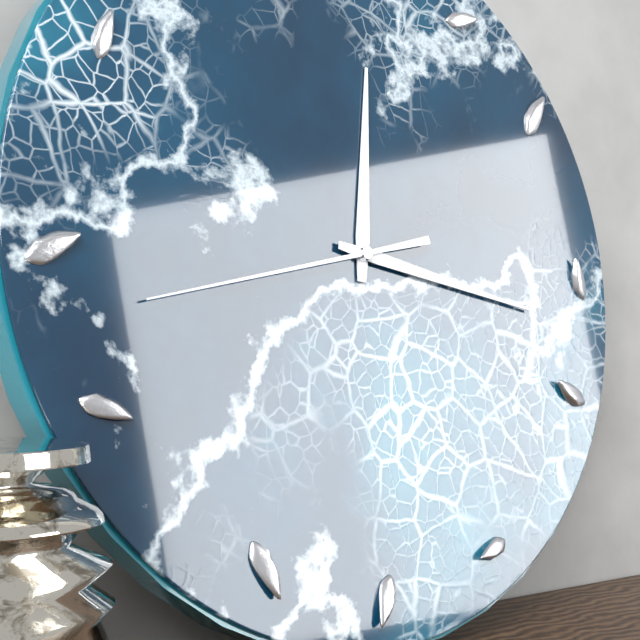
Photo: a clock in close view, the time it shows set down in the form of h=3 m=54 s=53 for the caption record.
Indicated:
h=12 m=17 s=43
